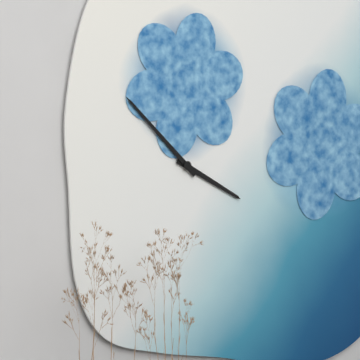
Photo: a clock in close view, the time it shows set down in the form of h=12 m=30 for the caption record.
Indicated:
h=3 m=52
